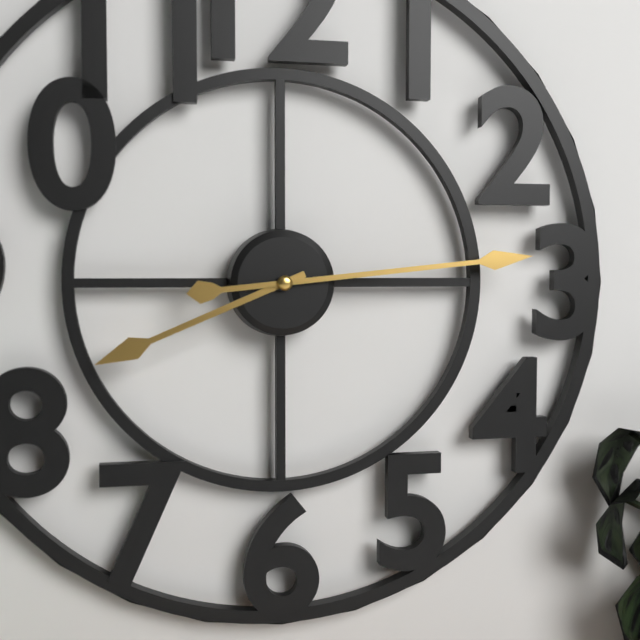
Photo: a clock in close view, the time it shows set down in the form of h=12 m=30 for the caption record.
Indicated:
h=8 m=14
